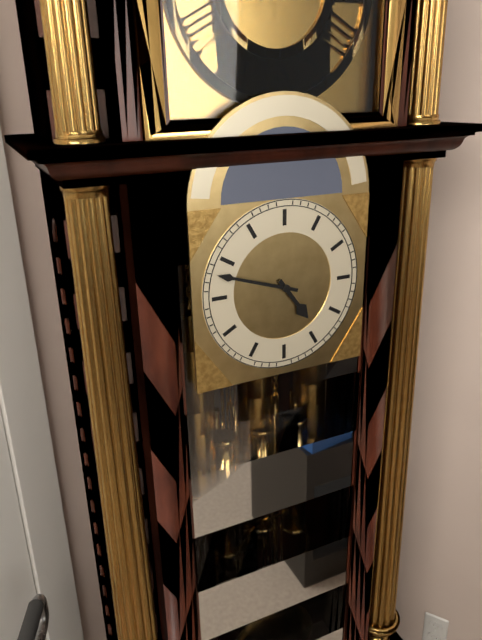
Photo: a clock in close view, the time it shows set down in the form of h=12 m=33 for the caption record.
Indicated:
h=4 m=48
